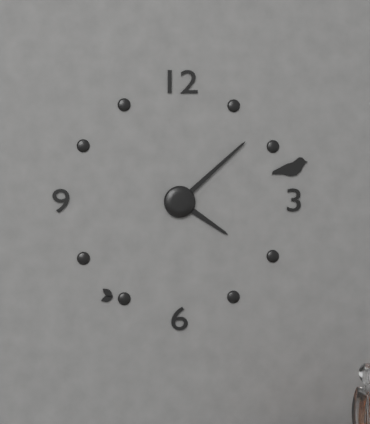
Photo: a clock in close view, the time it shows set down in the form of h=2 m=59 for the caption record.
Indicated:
h=4 m=8
